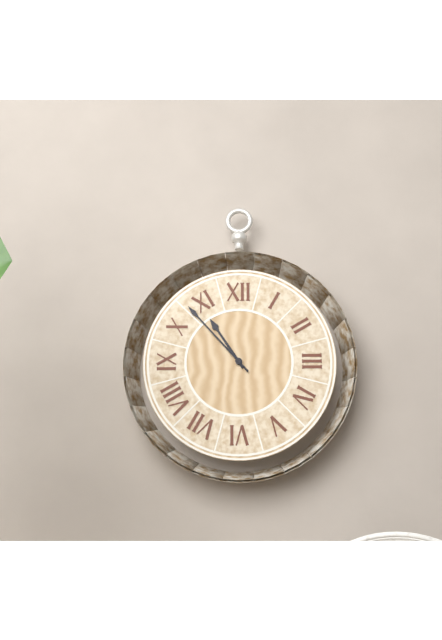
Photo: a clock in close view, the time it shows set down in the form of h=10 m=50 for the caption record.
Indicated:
h=10 m=53
